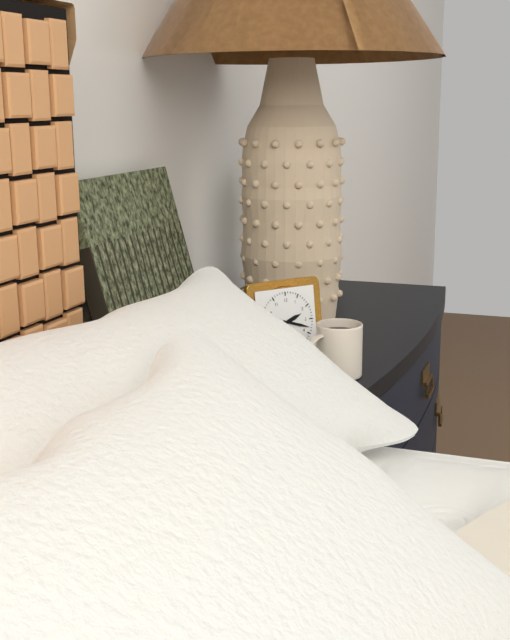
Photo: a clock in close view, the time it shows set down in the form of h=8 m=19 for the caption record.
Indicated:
h=2 m=18
